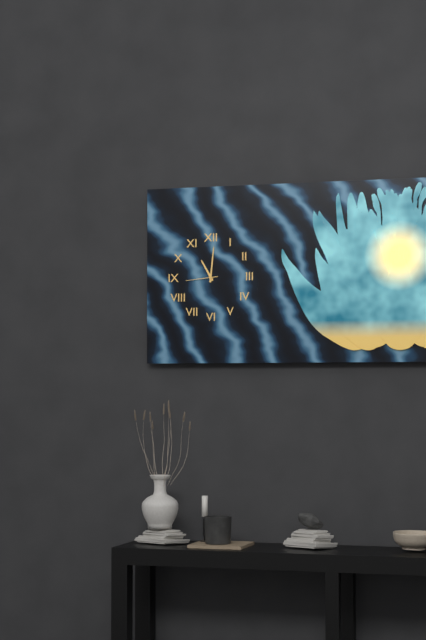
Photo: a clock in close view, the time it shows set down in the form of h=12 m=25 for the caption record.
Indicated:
h=11 m=1
